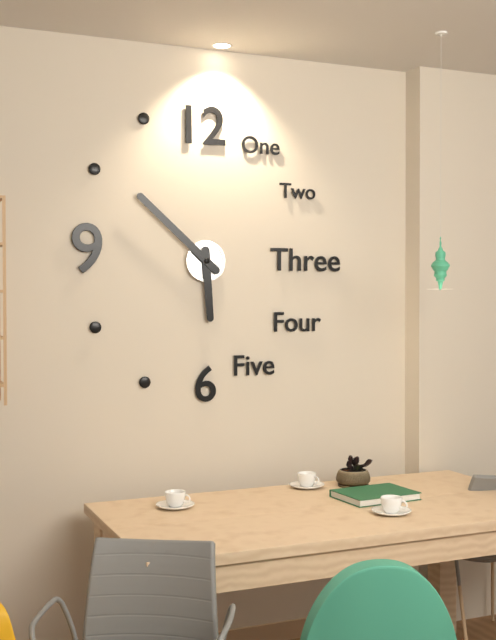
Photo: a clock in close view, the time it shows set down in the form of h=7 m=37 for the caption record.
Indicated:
h=5 m=52
